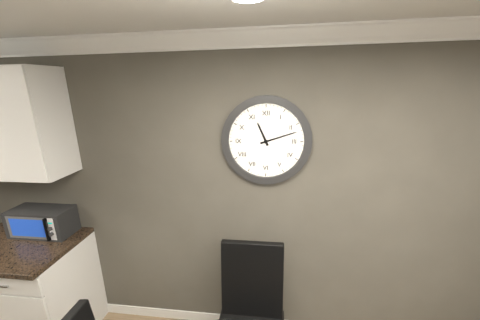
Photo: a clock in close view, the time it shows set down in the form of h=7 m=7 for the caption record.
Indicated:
h=11 m=12
